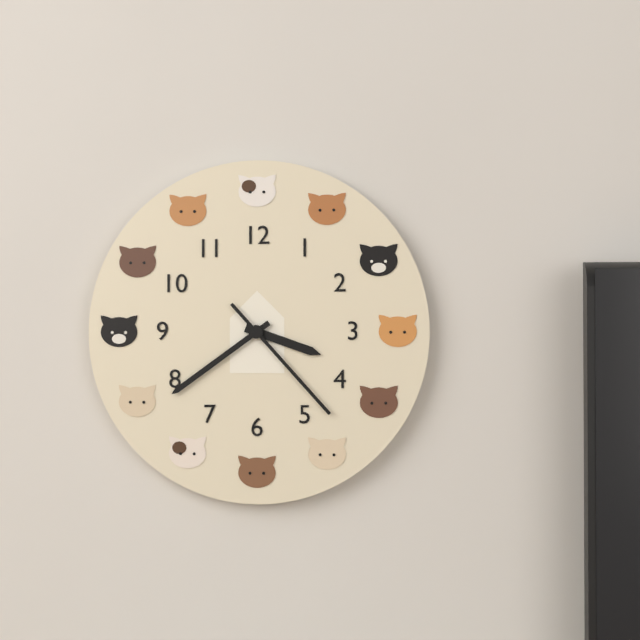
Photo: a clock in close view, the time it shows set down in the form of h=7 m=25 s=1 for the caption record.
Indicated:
h=3 m=39 s=23
